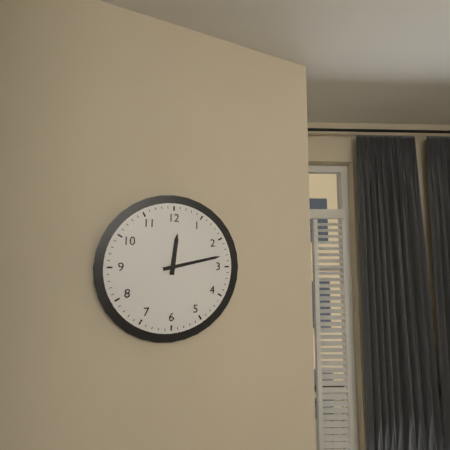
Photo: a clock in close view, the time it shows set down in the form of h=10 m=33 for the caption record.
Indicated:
h=12 m=13
